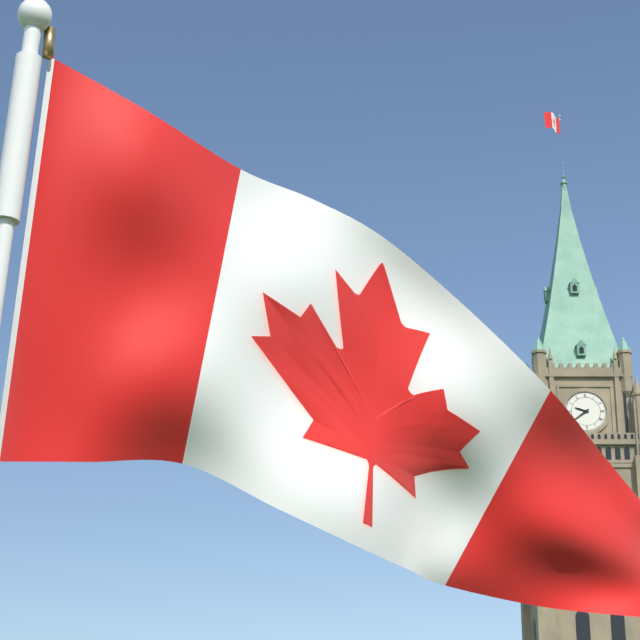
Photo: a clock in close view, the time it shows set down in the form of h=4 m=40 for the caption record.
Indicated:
h=9 m=39
